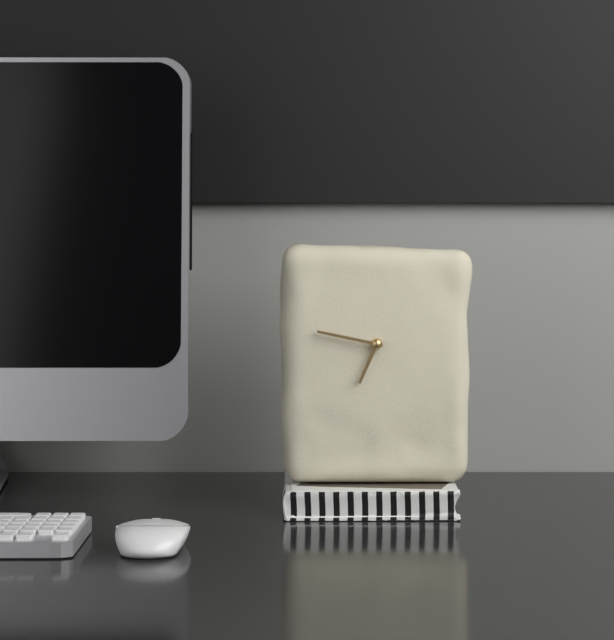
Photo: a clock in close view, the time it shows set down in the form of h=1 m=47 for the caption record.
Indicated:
h=6 m=47
